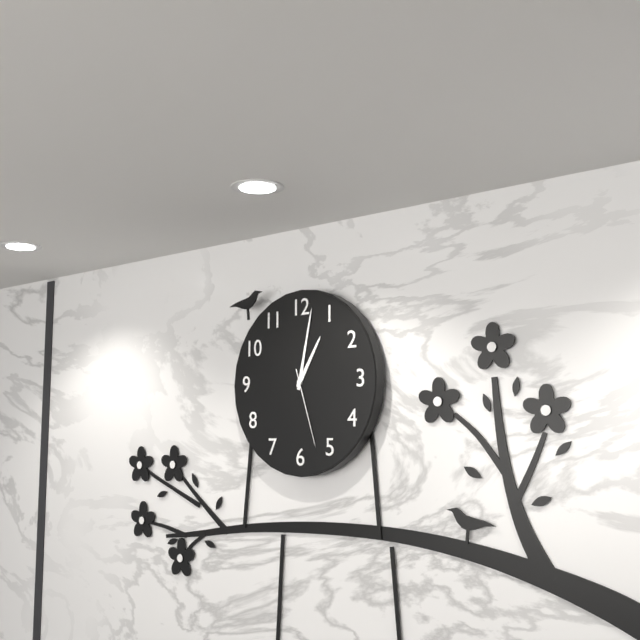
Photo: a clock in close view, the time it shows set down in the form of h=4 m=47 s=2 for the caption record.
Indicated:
h=1 m=2 s=27
